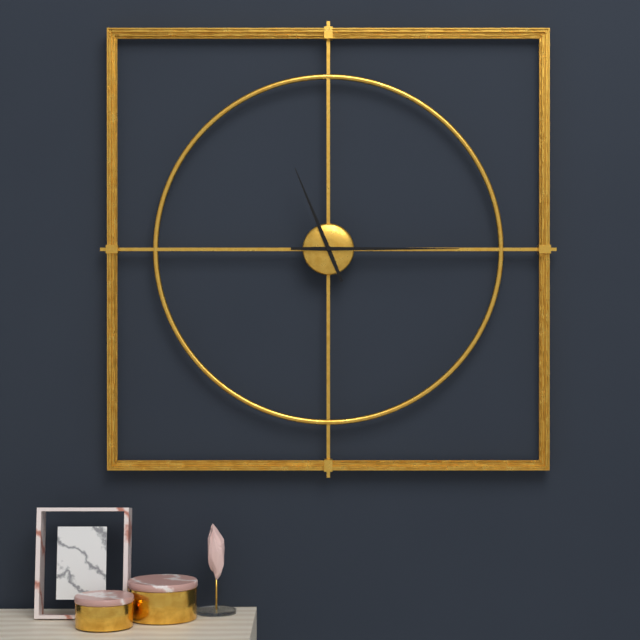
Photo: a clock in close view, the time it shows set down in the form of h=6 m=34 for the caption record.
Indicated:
h=11 m=15
